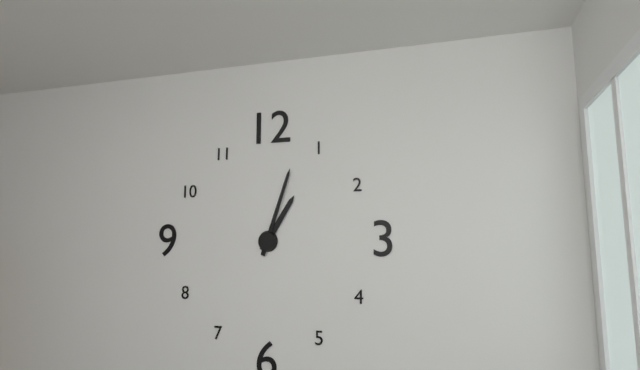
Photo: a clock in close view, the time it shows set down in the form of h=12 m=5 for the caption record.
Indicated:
h=1 m=3
